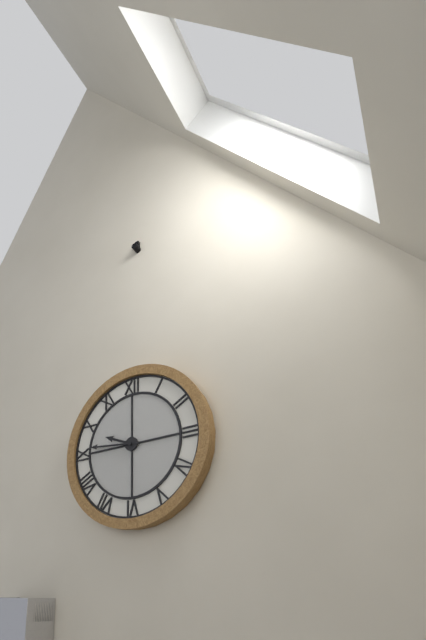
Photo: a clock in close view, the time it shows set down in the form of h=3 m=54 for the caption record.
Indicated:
h=9 m=46
